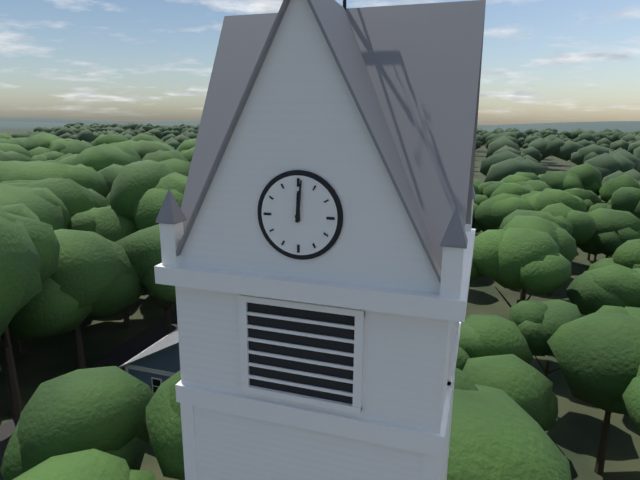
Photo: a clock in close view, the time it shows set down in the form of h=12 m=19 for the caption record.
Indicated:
h=12 m=1
